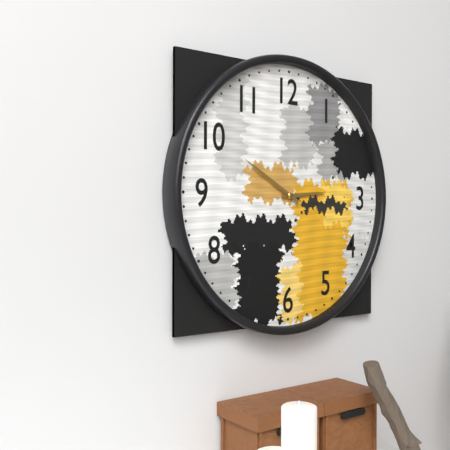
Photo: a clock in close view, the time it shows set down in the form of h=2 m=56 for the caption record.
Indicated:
h=2 m=50
